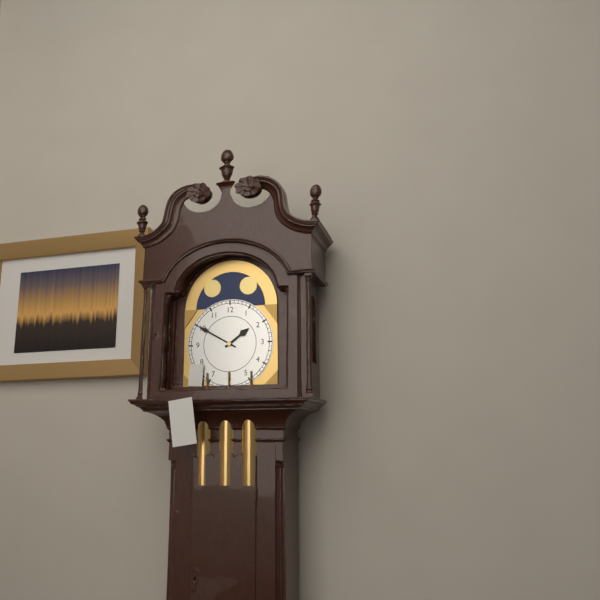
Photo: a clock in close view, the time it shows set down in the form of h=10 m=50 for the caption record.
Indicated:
h=1 m=50
